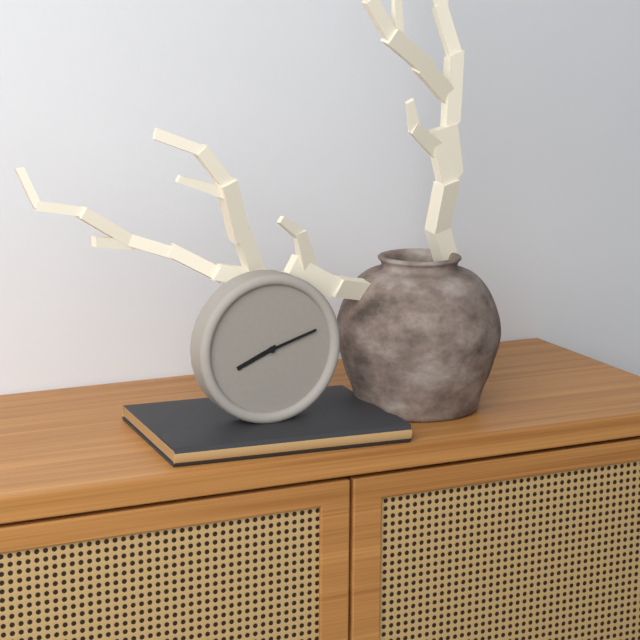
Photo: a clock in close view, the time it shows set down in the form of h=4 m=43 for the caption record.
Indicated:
h=8 m=12
